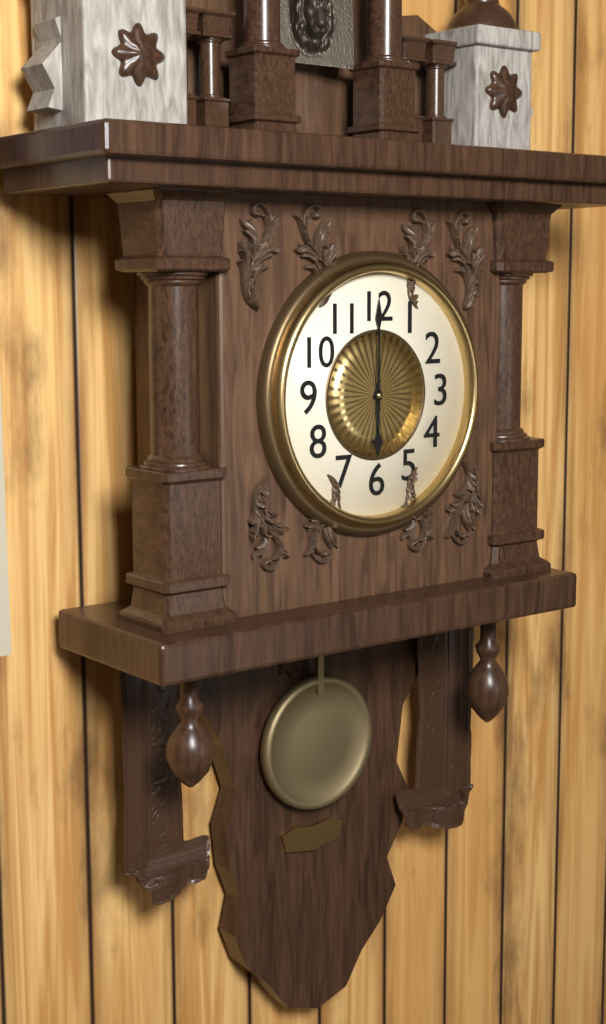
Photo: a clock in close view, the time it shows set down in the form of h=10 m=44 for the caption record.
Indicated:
h=6 m=0
